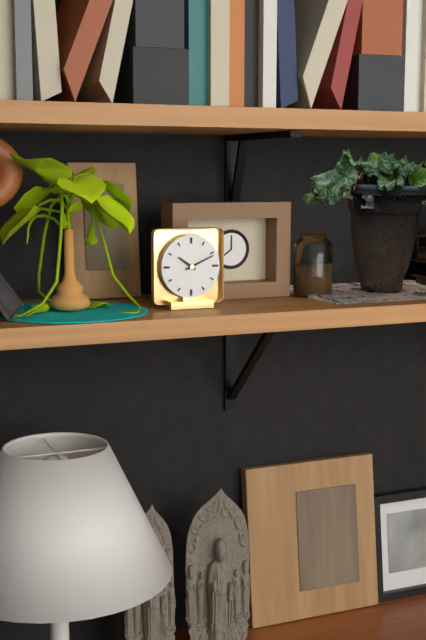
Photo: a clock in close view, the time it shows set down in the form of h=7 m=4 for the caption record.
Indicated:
h=10 m=11
